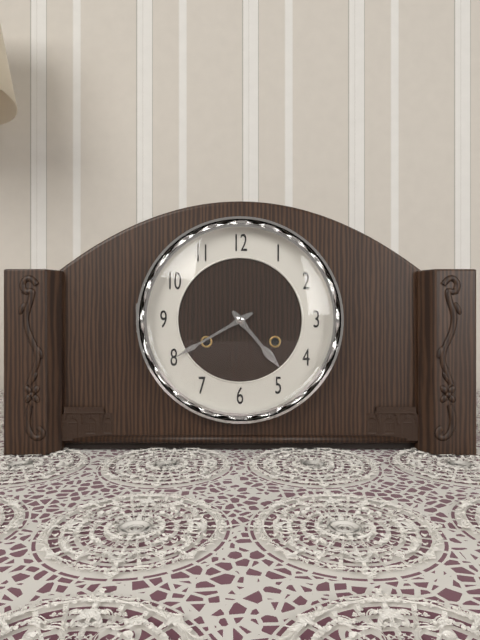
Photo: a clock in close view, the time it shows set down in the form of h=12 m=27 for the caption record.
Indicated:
h=4 m=40
